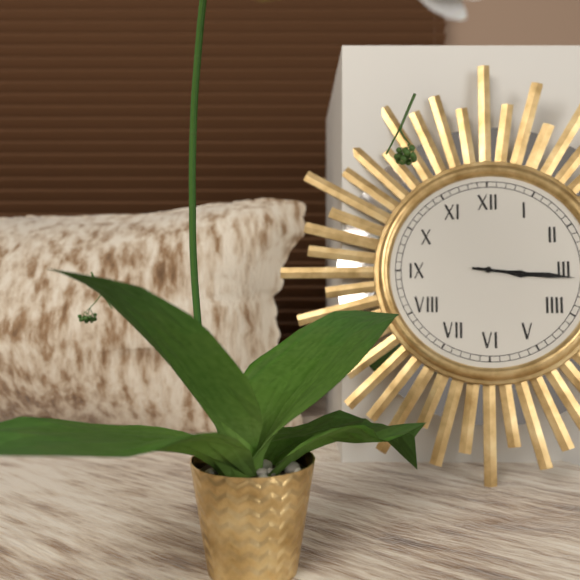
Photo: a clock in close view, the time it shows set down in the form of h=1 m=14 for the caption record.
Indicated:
h=3 m=16
